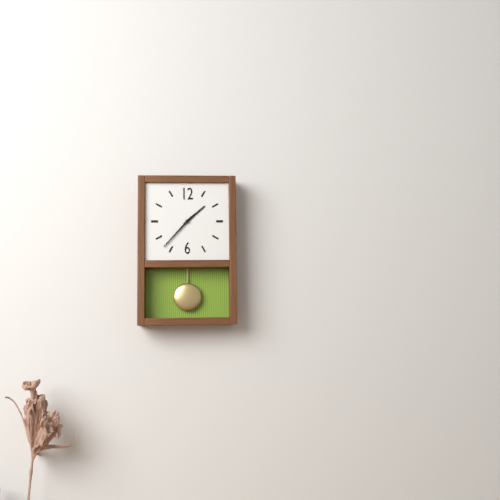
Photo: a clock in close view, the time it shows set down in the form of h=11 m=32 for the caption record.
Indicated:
h=1 m=37
